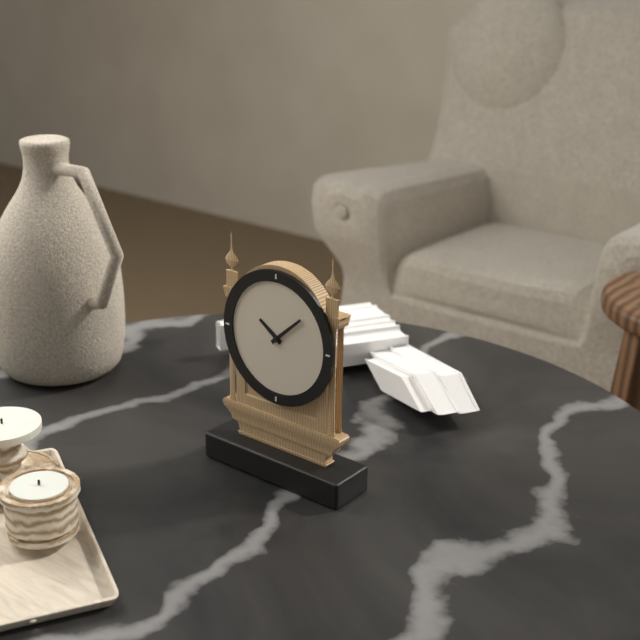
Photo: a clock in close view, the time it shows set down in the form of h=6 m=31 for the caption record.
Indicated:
h=10 m=8
